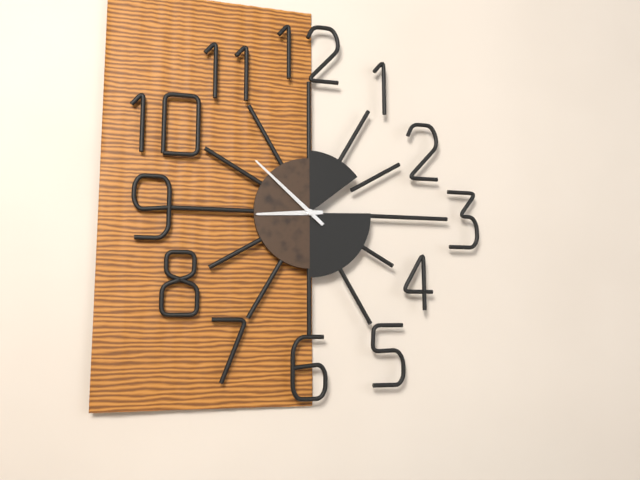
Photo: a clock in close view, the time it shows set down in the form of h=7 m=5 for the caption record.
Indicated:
h=8 m=52
